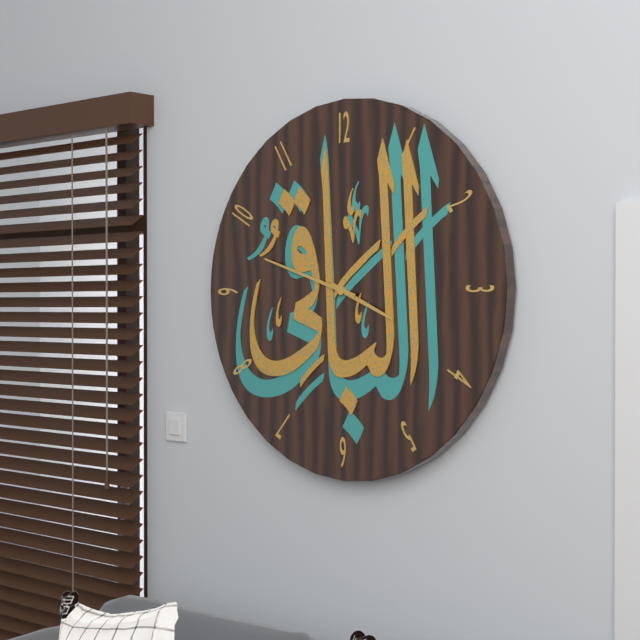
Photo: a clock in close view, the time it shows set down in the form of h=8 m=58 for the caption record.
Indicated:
h=3 m=48
